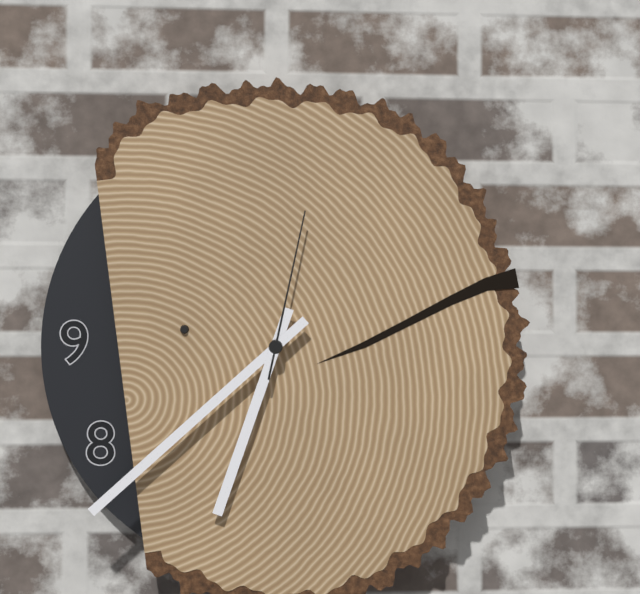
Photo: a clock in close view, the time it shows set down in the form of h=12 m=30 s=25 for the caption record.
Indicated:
h=6 m=38 s=2
